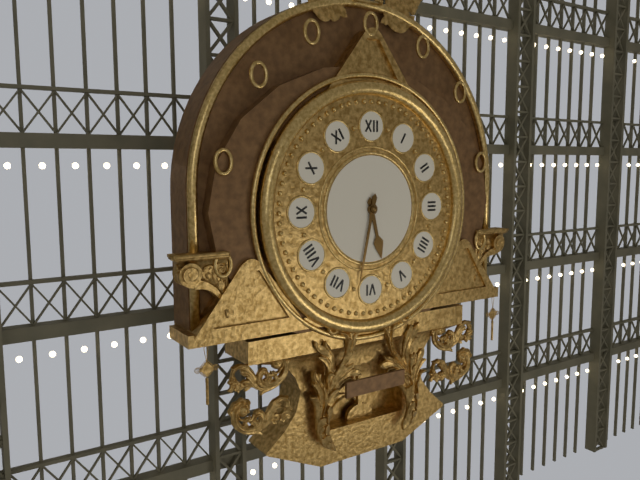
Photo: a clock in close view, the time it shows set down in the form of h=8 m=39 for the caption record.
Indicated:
h=5 m=32
